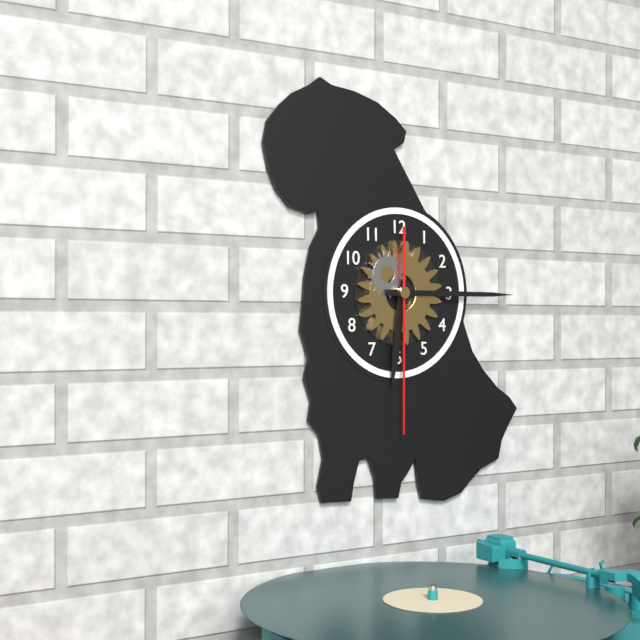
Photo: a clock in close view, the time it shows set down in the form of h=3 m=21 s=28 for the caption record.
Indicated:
h=6 m=15 s=30
